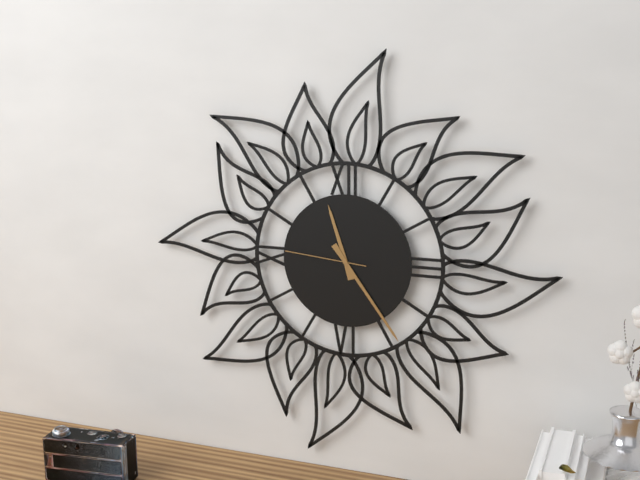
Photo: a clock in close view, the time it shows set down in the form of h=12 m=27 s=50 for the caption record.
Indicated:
h=11 m=24 s=46
